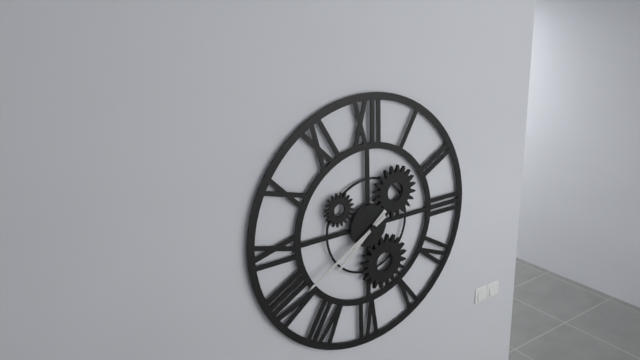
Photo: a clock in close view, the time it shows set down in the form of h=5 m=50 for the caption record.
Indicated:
h=7 m=40
